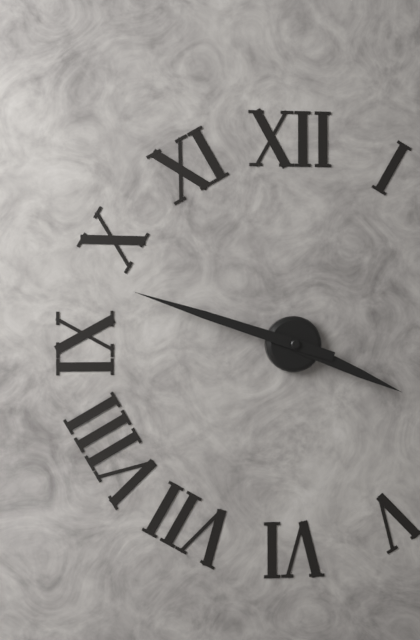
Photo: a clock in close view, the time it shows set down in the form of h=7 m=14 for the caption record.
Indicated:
h=3 m=48
